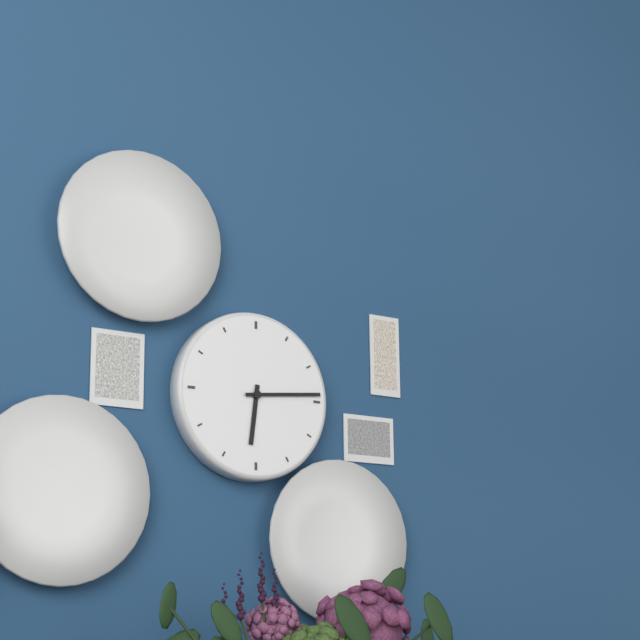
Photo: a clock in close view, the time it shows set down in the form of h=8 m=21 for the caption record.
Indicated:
h=6 m=14
